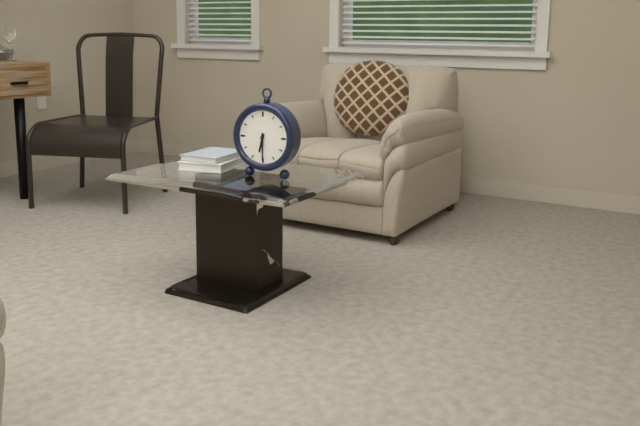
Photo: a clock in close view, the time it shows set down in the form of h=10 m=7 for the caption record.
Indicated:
h=6 m=30
